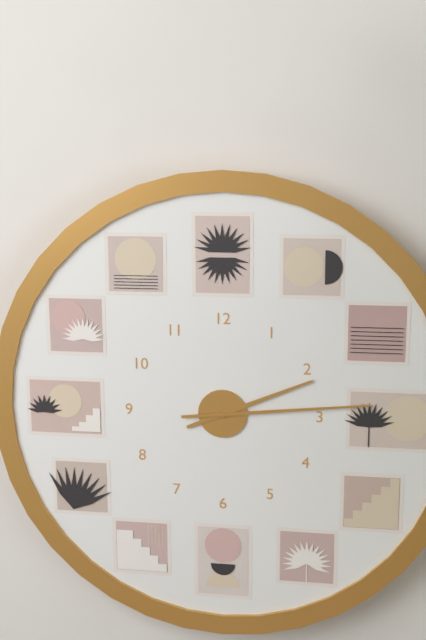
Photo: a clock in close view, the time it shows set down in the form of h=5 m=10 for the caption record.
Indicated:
h=2 m=14
